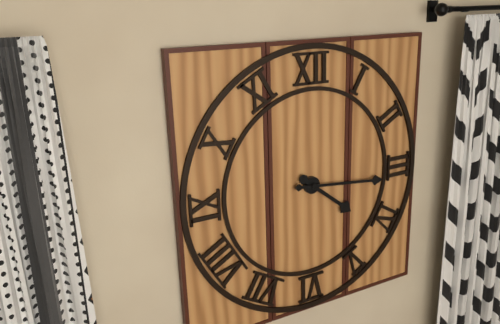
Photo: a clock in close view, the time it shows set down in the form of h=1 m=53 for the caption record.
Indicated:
h=4 m=16
